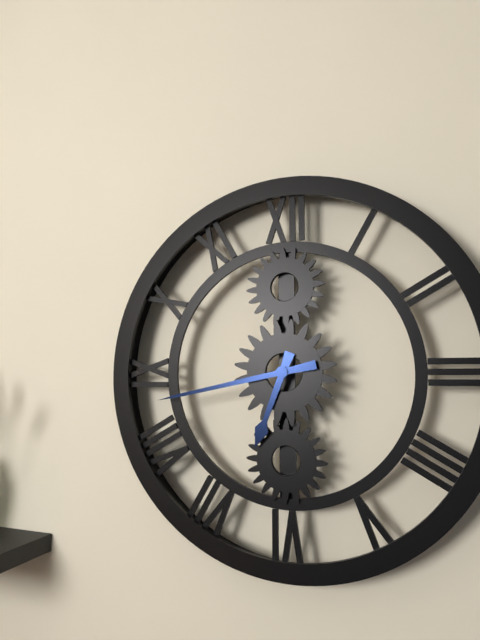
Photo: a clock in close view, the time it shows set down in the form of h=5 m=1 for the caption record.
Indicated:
h=6 m=43
